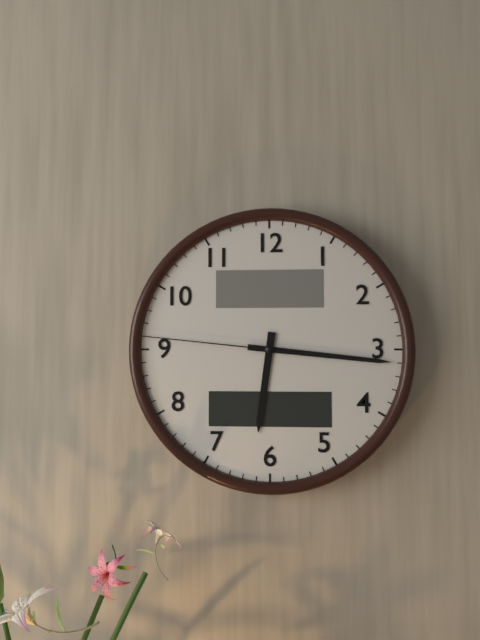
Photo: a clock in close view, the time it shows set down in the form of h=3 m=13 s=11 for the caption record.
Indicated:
h=6 m=16 s=46
